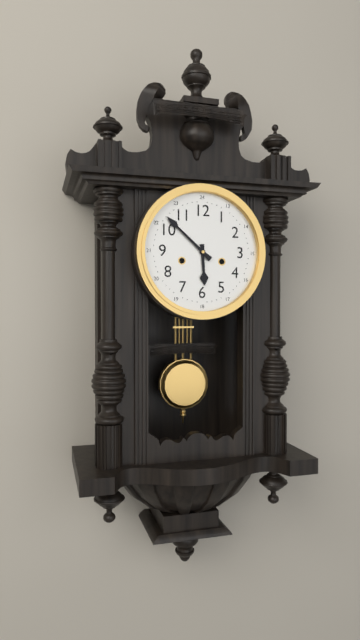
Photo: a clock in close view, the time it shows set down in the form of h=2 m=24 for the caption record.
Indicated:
h=5 m=52
